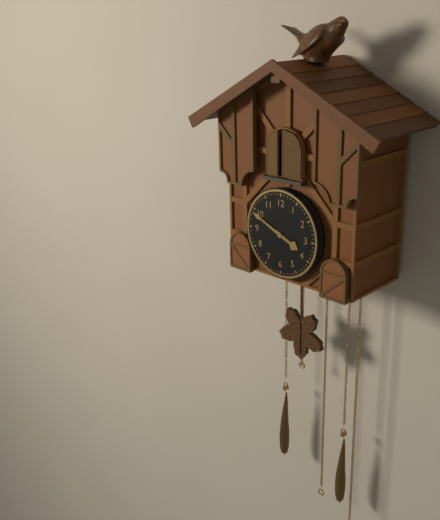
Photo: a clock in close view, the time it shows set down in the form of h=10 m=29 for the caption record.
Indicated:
h=3 m=49
